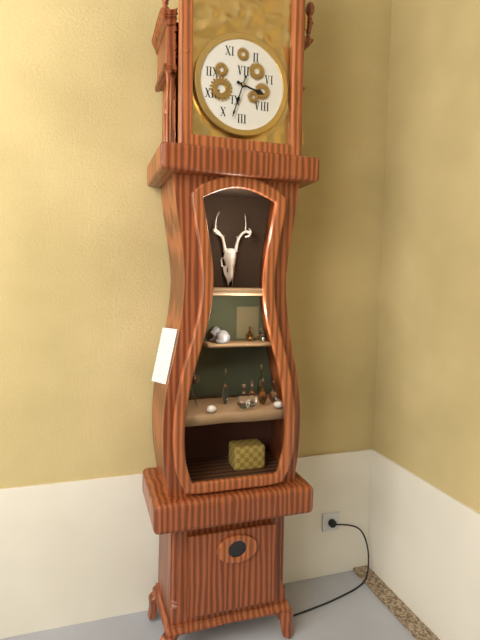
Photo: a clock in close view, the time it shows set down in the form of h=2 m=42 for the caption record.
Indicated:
h=3 m=33
